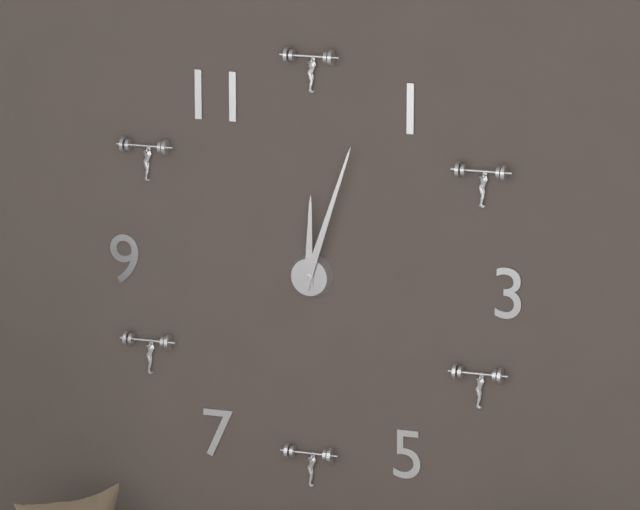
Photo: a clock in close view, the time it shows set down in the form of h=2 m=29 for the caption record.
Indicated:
h=12 m=3
